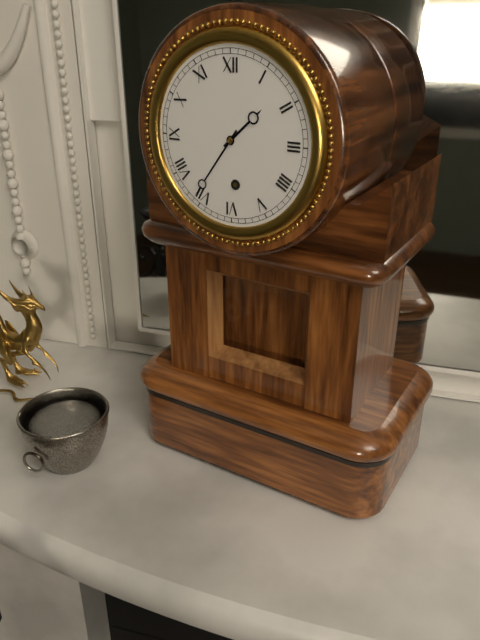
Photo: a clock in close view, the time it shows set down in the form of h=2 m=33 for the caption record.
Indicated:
h=1 m=36
